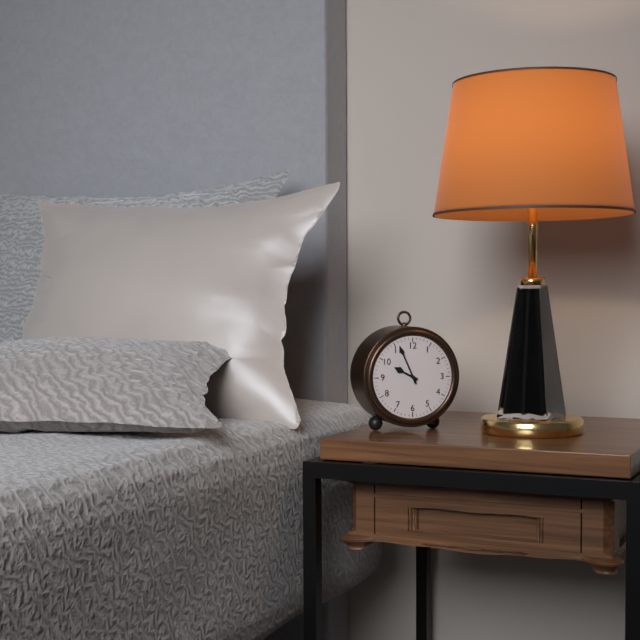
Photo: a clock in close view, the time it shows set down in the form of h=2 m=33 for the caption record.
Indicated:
h=9 m=56
